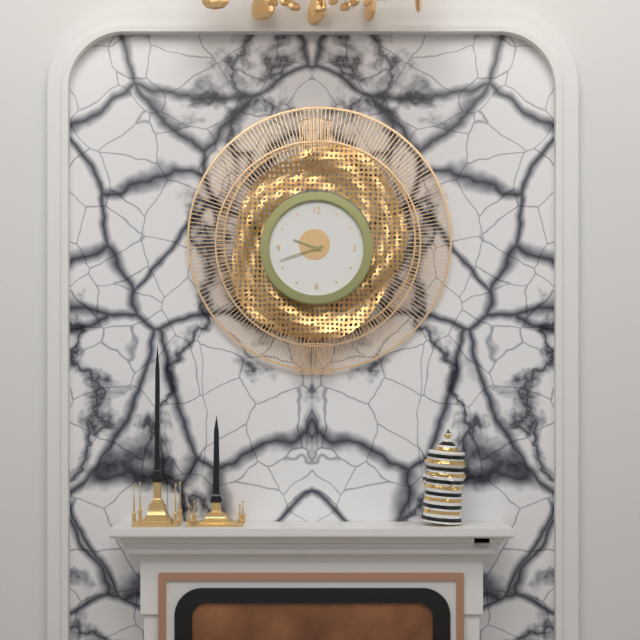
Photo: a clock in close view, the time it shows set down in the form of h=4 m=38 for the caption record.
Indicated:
h=9 m=42
